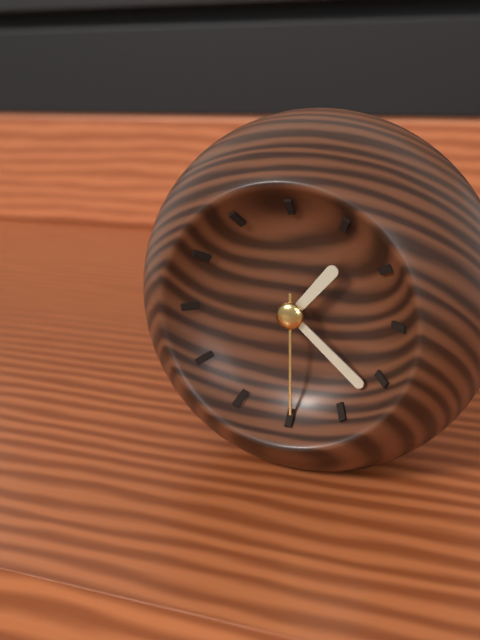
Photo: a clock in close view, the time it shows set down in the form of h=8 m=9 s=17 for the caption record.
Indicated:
h=1 m=22 s=30
